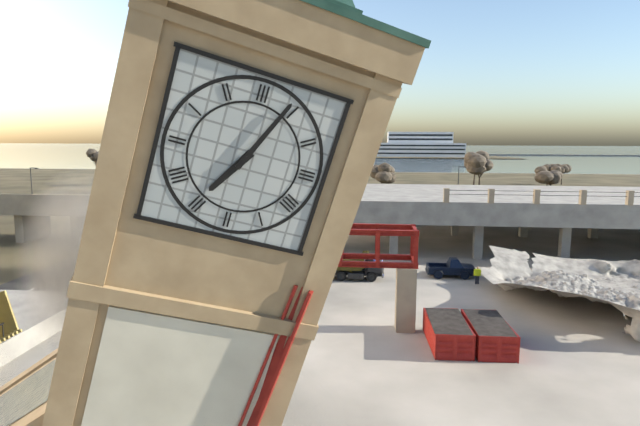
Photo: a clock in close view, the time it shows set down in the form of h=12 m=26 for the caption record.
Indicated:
h=7 m=4
